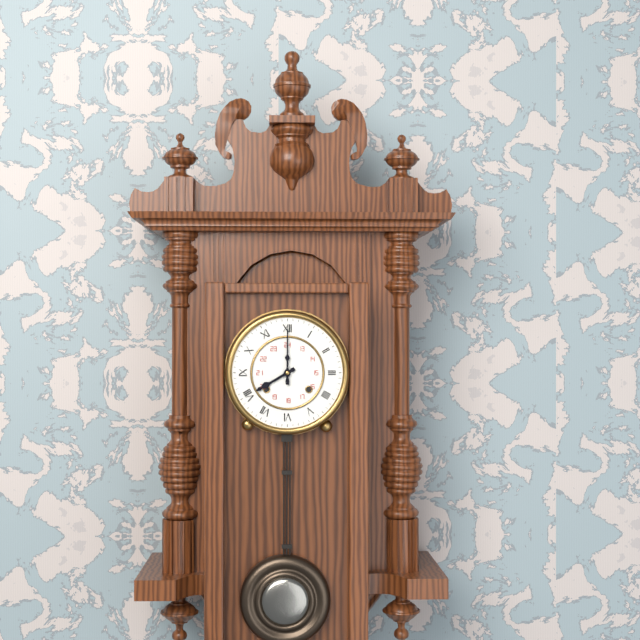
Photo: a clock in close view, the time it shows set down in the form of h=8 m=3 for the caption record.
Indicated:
h=8 m=0
